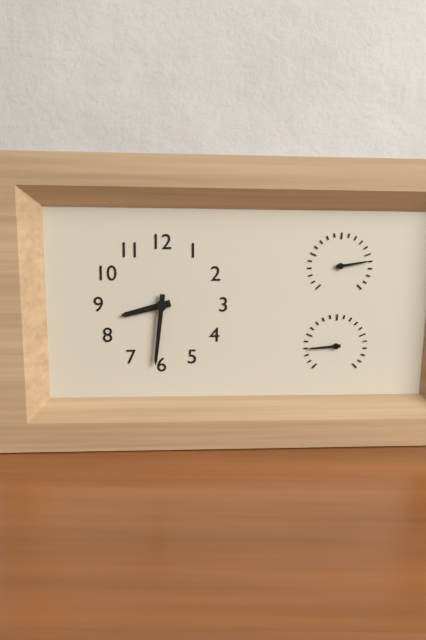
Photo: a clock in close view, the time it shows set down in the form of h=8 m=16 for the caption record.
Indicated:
h=8 m=31
